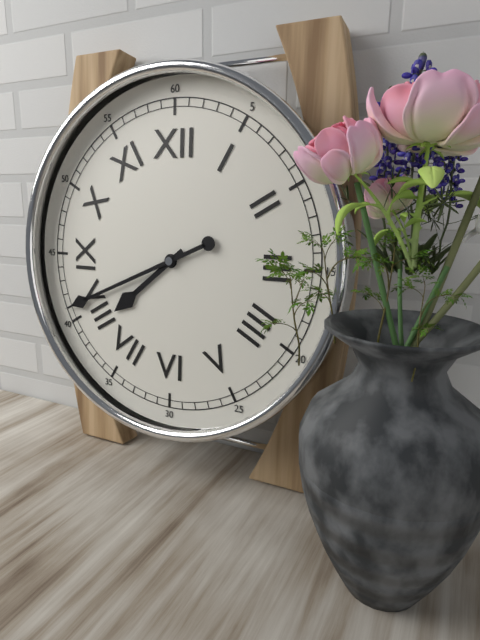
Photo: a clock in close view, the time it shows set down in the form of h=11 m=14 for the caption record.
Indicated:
h=7 m=41
